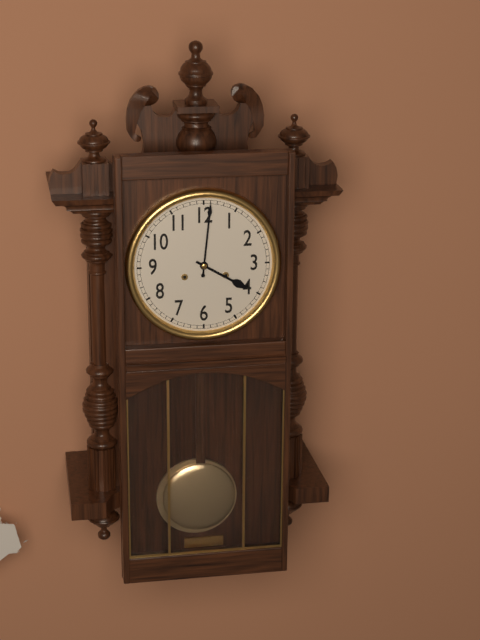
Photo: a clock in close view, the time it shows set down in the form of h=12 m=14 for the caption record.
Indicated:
h=4 m=1
